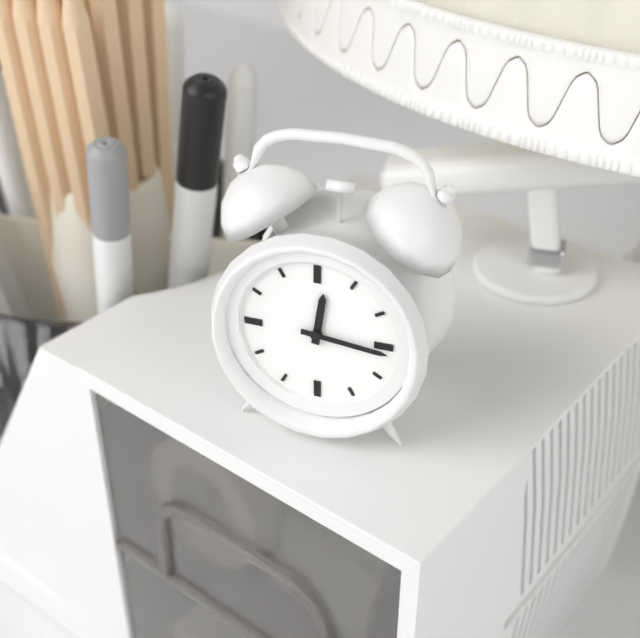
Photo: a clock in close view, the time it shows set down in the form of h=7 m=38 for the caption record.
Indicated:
h=12 m=16
